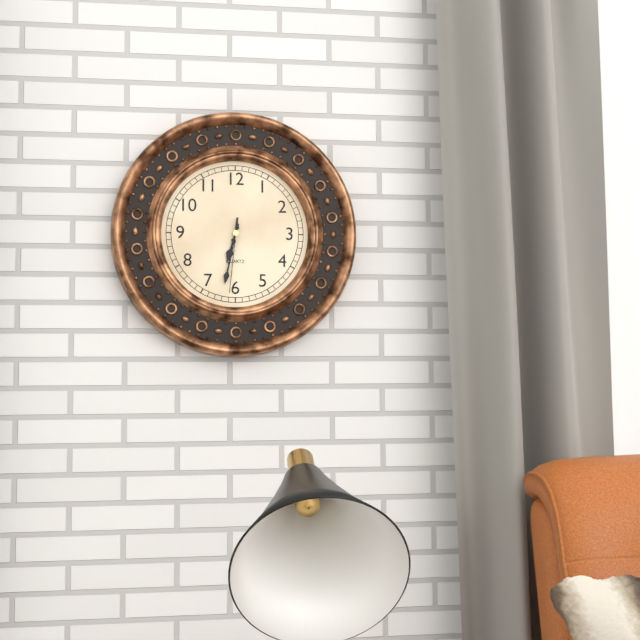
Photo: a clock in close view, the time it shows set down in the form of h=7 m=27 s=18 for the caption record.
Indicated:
h=6 m=32 s=31
